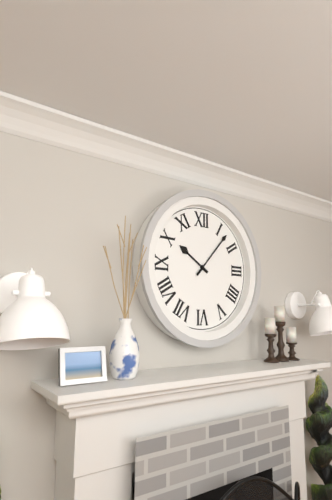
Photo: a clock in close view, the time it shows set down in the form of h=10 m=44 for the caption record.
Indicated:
h=10 m=7
